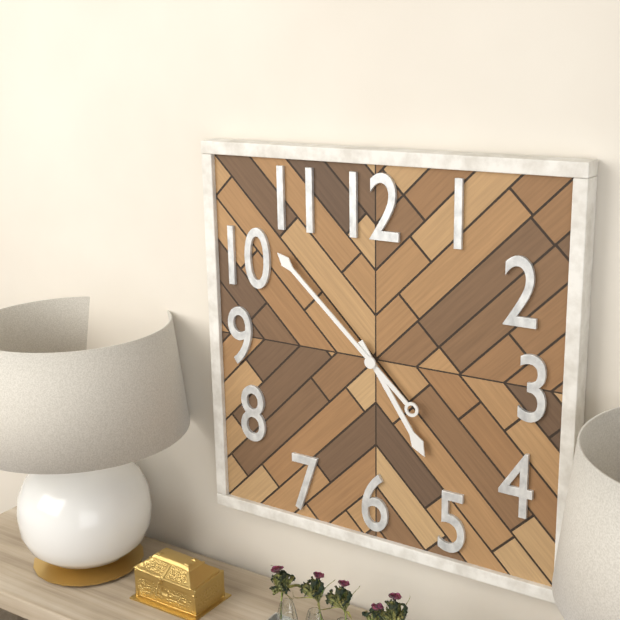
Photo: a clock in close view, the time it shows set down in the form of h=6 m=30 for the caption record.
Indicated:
h=4 m=52
